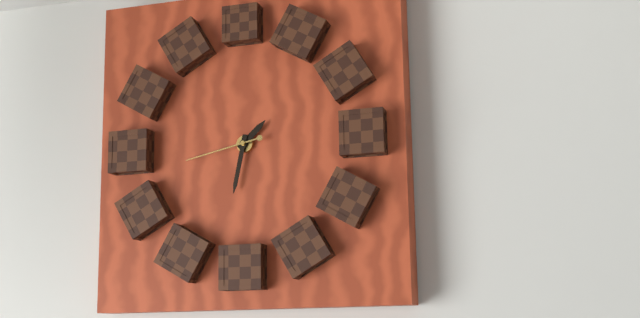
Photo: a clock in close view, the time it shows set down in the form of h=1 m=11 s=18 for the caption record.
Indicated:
h=1 m=32 s=43
